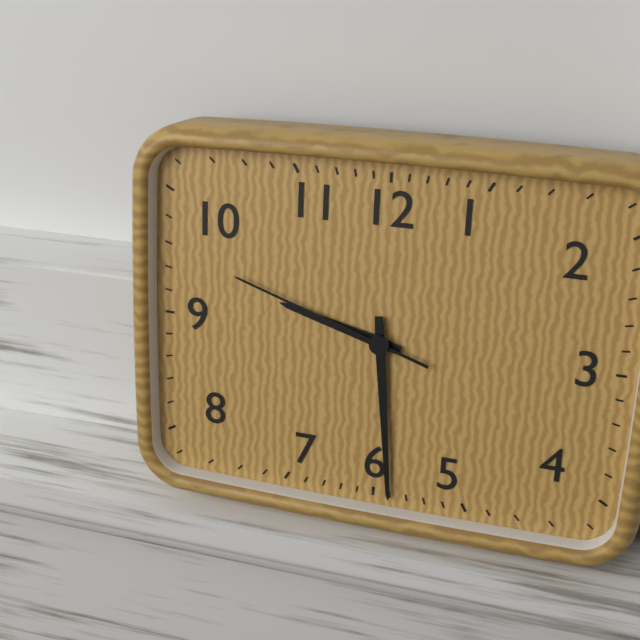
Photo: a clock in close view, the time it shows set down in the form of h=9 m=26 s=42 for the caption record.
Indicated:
h=9 m=29 s=48
